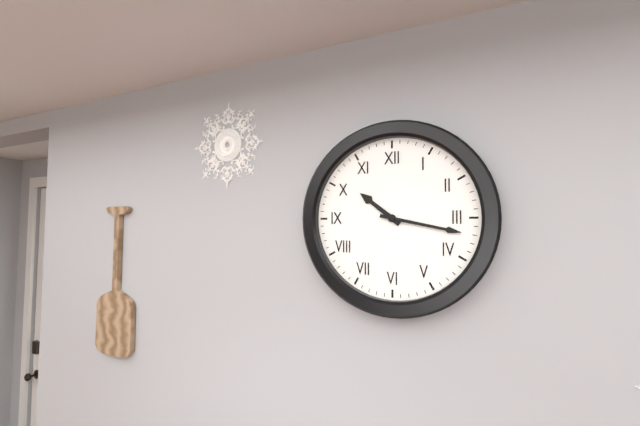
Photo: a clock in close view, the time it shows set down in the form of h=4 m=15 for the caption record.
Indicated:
h=10 m=17
